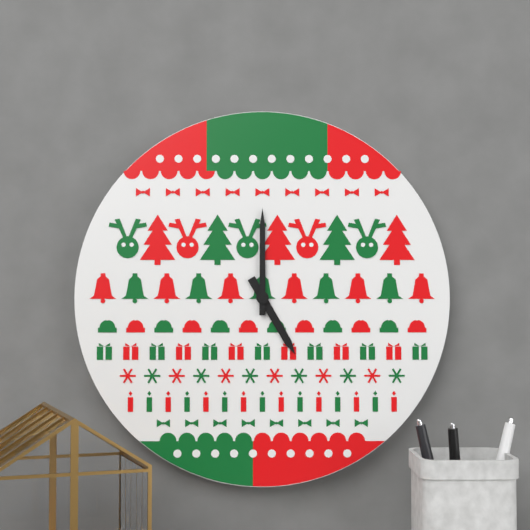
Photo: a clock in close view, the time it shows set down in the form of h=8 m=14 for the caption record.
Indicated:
h=5 m=0
